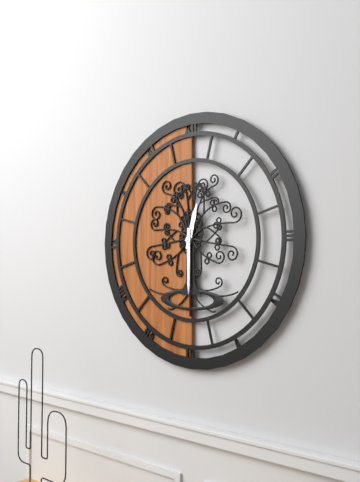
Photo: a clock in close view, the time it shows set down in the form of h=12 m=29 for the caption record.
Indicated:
h=12 m=30
